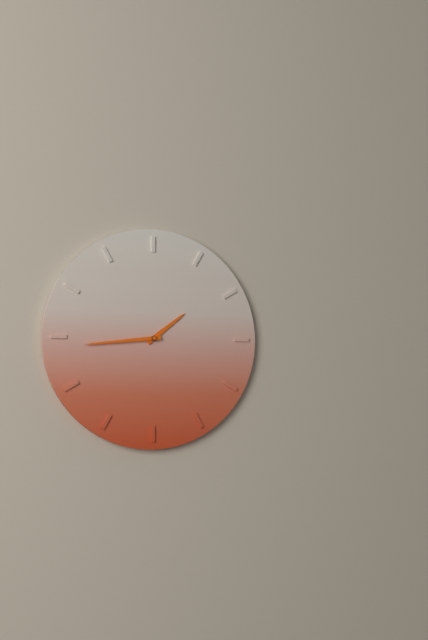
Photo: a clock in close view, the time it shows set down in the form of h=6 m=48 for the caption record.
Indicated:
h=1 m=44
